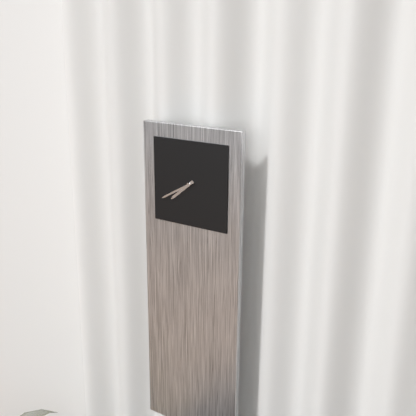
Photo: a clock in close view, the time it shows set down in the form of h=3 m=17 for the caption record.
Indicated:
h=7 m=40
